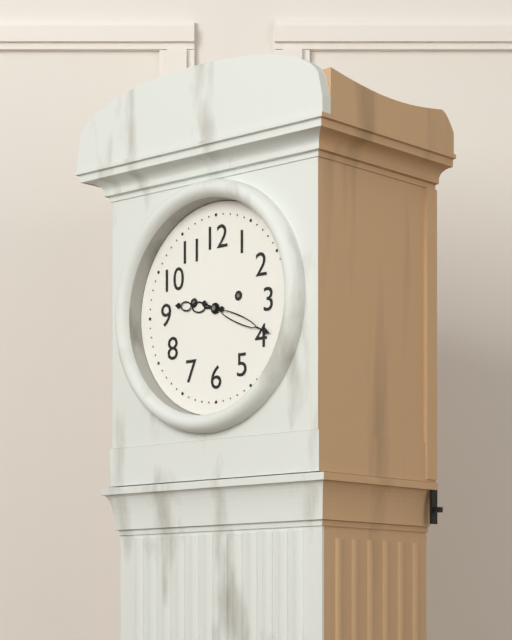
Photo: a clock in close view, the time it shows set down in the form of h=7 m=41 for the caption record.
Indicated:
h=9 m=19
